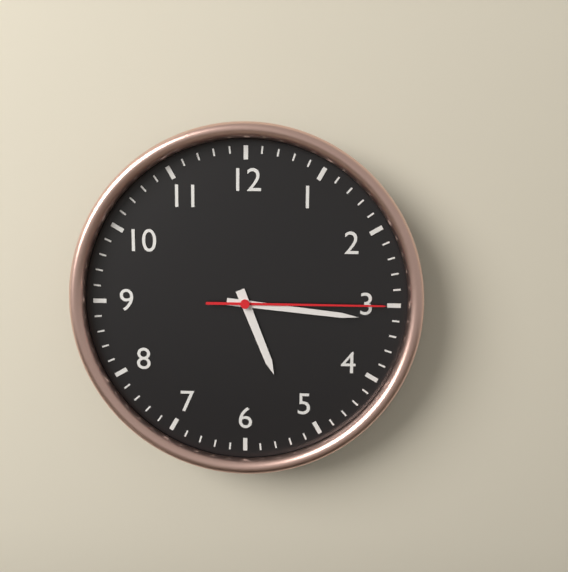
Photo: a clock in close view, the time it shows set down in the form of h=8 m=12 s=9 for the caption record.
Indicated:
h=5 m=16 s=15
